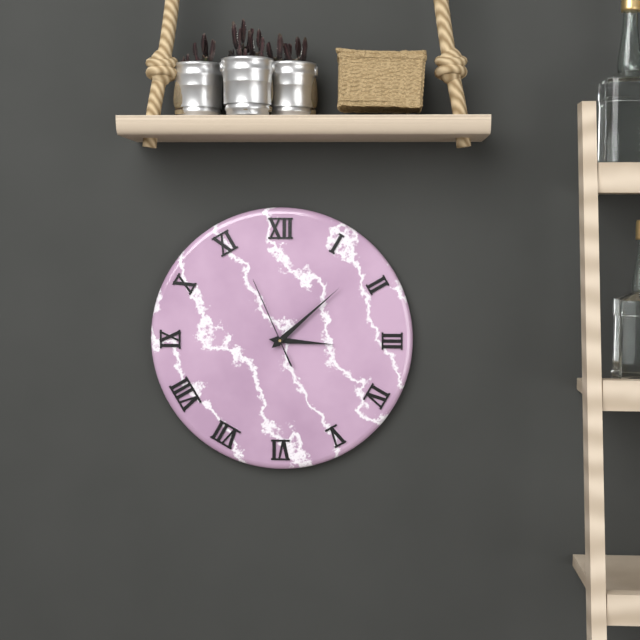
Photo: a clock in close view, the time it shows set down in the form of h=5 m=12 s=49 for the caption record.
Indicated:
h=3 m=8 s=56
